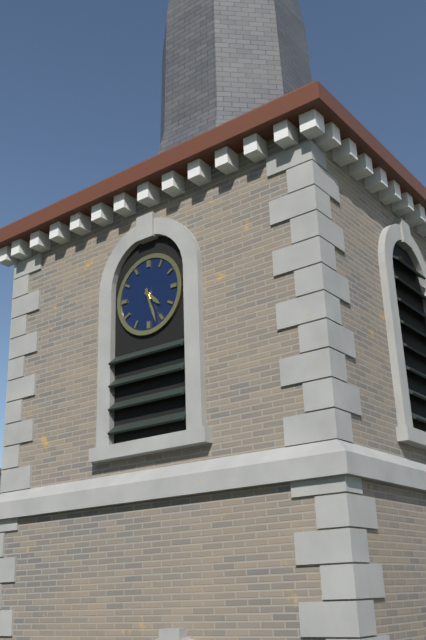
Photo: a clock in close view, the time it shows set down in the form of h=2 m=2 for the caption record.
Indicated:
h=4 m=27
